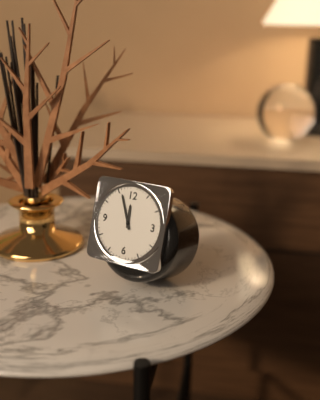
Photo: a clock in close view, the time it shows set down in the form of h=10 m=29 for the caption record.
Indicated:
h=11 m=56
